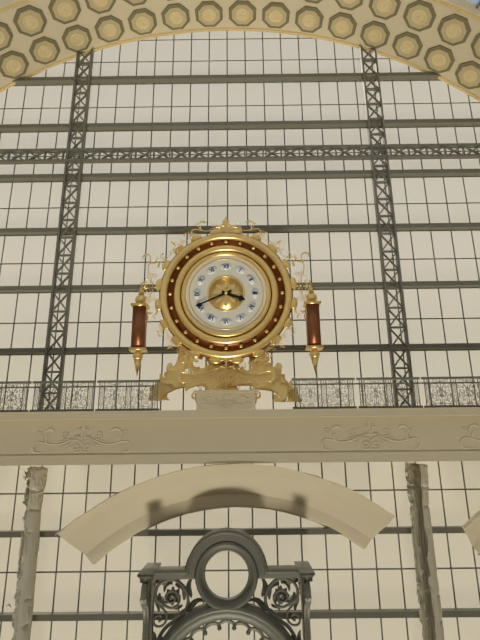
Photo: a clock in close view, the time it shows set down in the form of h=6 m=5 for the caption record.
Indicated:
h=3 m=41
